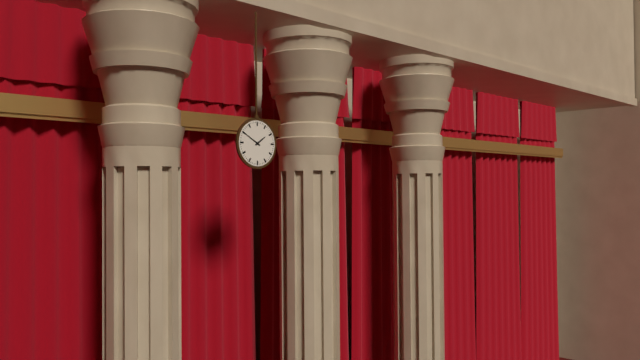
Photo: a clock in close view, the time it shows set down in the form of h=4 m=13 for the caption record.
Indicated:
h=1 m=50
